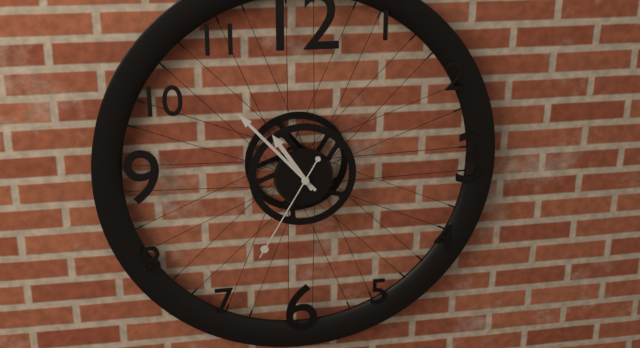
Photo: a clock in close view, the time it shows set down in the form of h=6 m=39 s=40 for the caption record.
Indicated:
h=10 m=53 s=35
